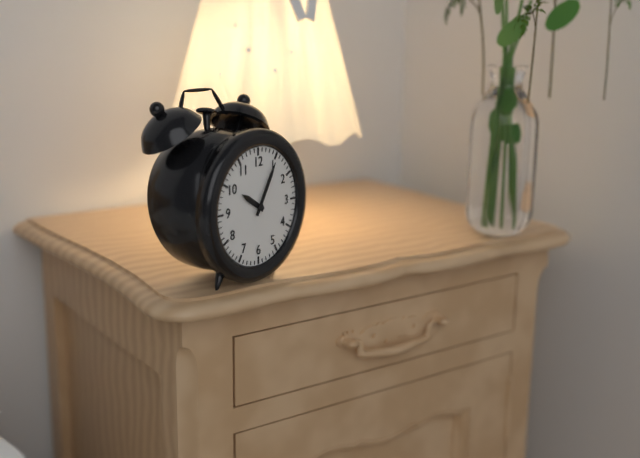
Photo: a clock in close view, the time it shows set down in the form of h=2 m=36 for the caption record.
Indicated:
h=10 m=5
